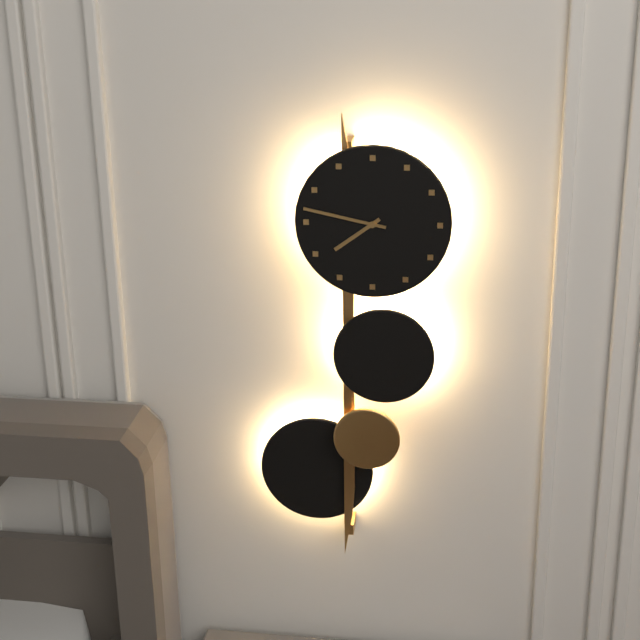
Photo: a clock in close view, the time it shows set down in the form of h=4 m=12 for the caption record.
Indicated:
h=7 m=47
